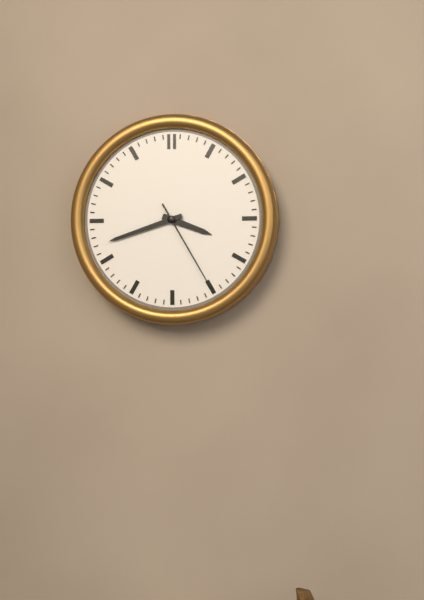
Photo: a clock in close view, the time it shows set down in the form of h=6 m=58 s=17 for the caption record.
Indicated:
h=3 m=42 s=25
